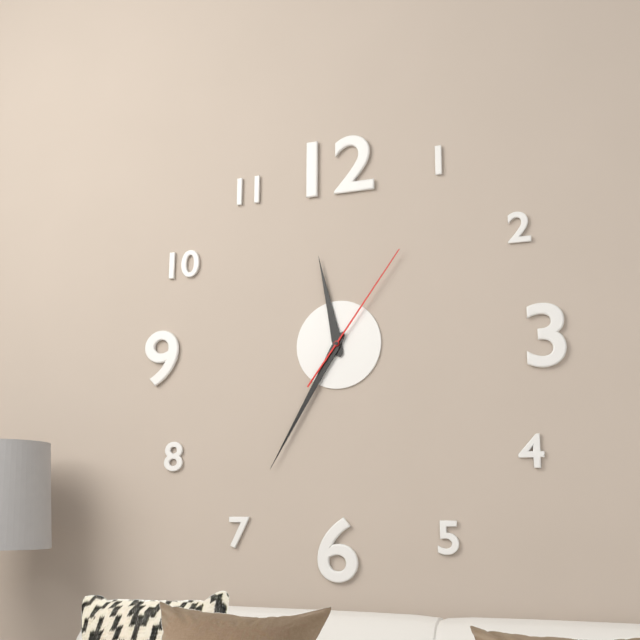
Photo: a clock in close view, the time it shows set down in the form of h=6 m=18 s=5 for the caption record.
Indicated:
h=11 m=35 s=6
